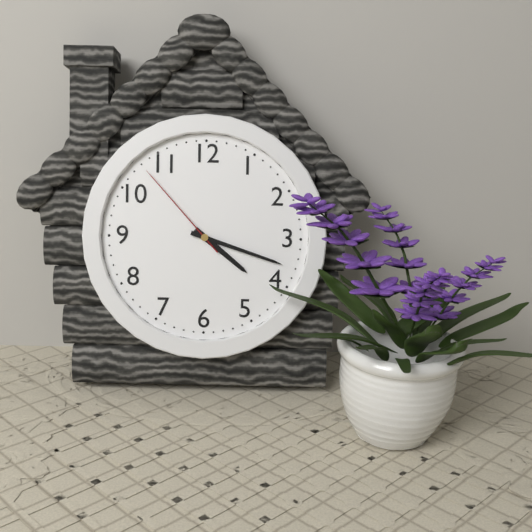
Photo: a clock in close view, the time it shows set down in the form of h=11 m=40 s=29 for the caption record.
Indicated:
h=4 m=18 s=53
